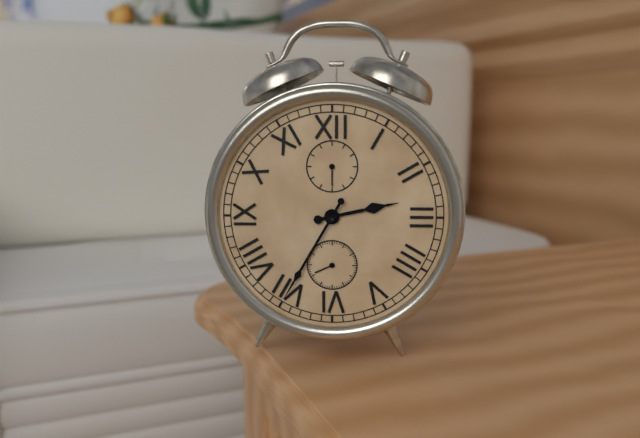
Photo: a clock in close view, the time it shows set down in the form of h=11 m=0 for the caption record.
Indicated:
h=2 m=35
